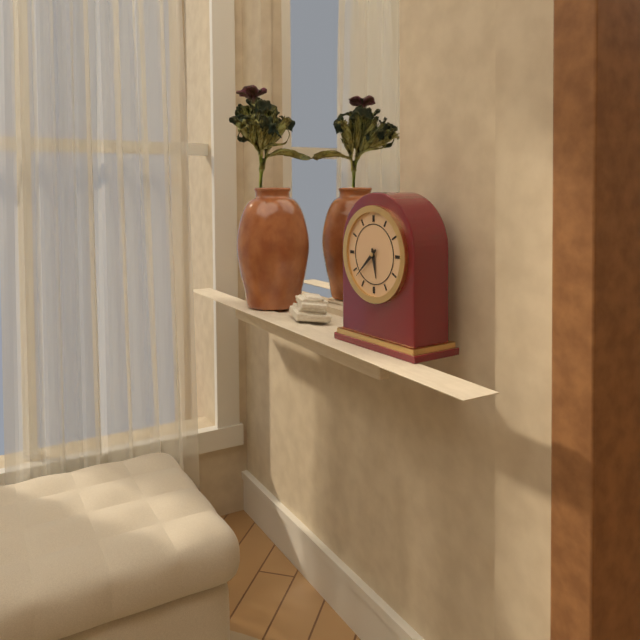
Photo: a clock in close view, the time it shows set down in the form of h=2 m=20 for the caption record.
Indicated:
h=5 m=38
